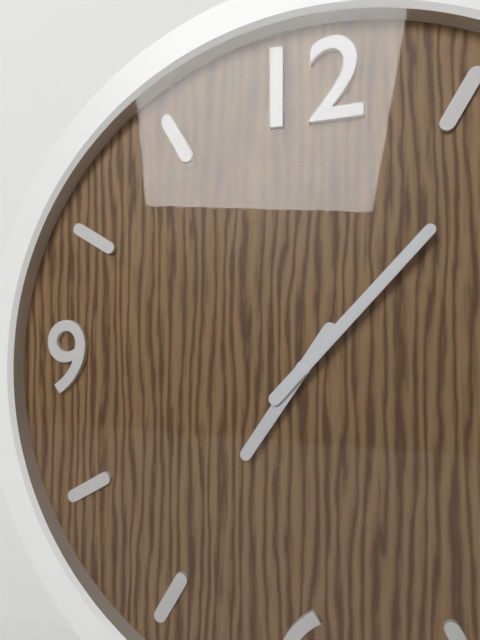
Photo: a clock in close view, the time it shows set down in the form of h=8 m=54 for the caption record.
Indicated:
h=7 m=7
